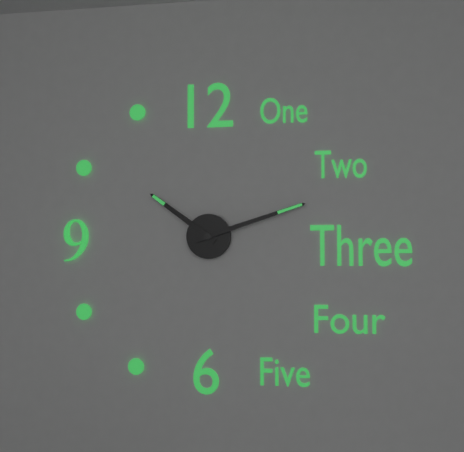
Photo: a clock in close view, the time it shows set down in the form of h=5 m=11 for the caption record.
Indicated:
h=10 m=12
